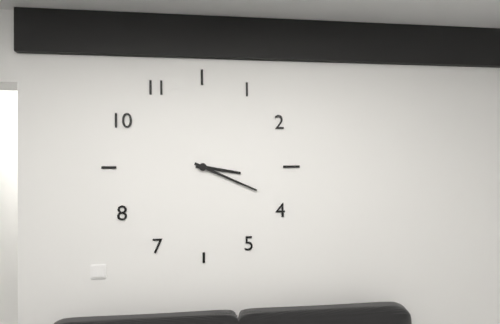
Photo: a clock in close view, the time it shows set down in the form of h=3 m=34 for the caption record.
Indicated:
h=3 m=19
